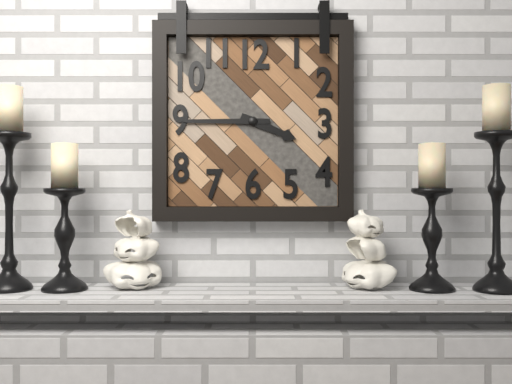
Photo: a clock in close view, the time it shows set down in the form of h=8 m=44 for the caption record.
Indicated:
h=3 m=45
